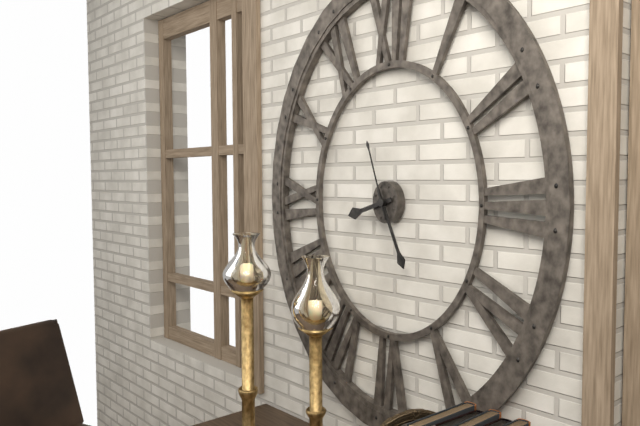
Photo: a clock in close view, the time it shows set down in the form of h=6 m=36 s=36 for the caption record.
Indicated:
h=8 m=26 s=57
